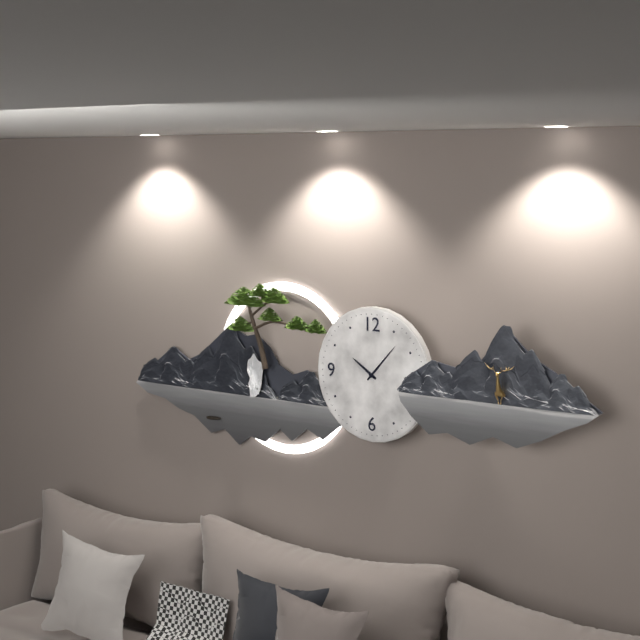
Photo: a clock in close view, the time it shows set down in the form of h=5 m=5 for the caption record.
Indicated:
h=10 m=7
